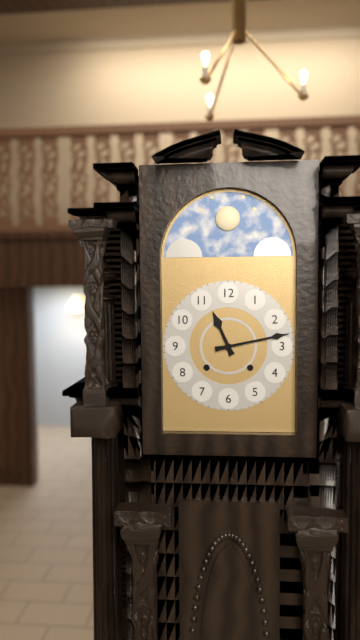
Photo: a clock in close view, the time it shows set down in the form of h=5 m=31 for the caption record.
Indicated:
h=11 m=13
